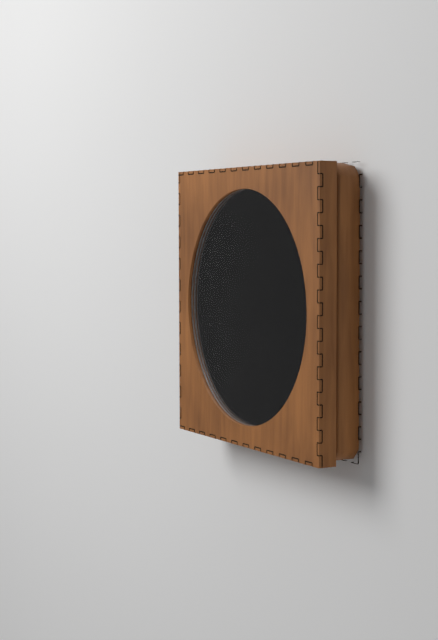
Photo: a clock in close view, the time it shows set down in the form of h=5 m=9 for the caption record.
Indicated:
h=7 m=46
